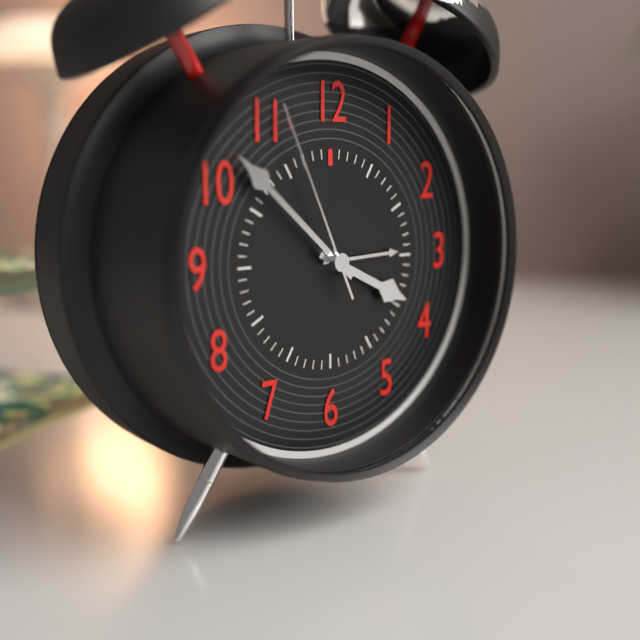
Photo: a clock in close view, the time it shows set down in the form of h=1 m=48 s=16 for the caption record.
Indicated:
h=3 m=52 s=56
